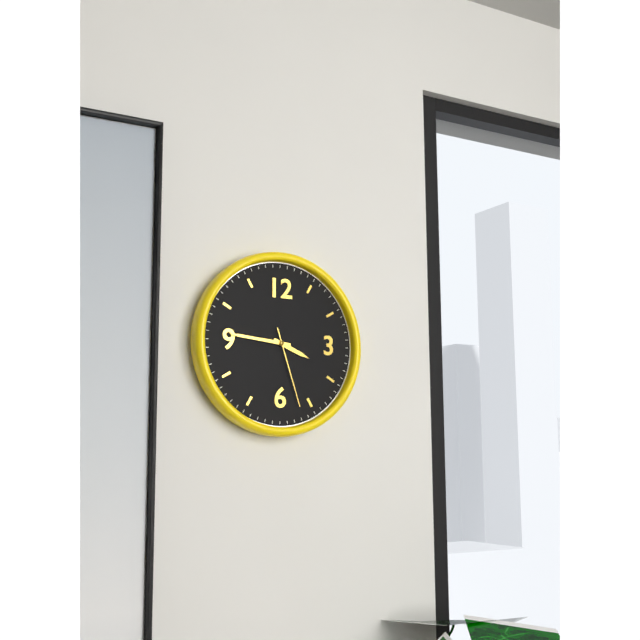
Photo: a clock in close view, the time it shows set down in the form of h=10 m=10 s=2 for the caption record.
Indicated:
h=3 m=46 s=27
